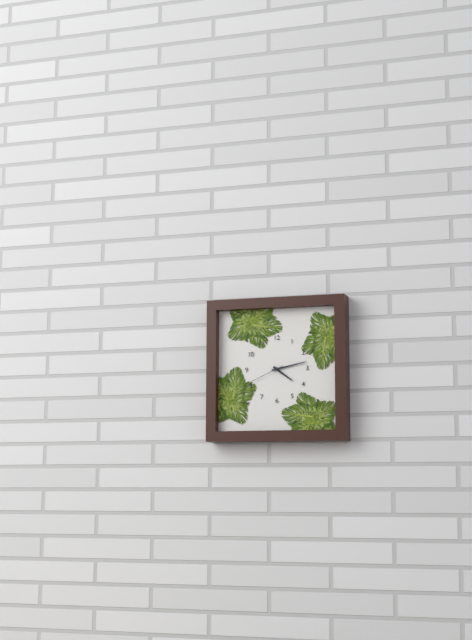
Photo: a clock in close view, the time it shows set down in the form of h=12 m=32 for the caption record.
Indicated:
h=4 m=13
